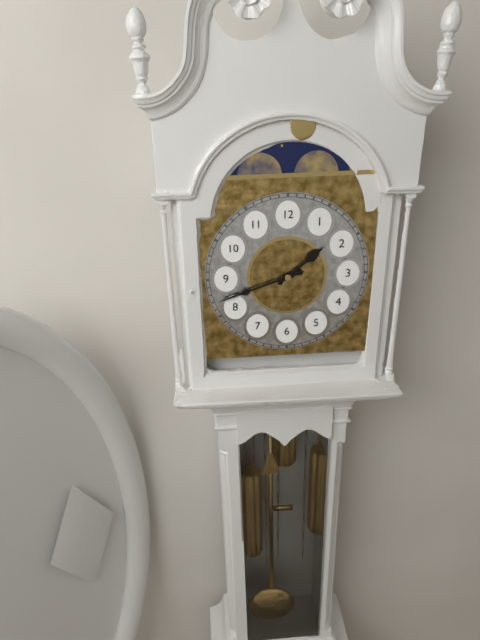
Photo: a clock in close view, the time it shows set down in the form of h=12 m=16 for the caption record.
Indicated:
h=1 m=42
